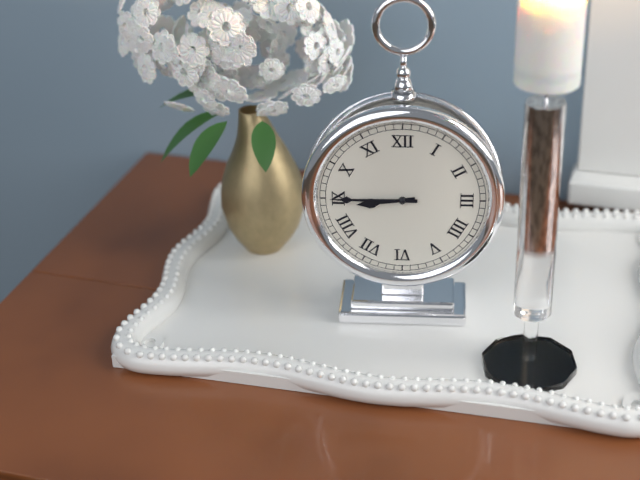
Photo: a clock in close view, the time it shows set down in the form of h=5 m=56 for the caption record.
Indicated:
h=8 m=45
